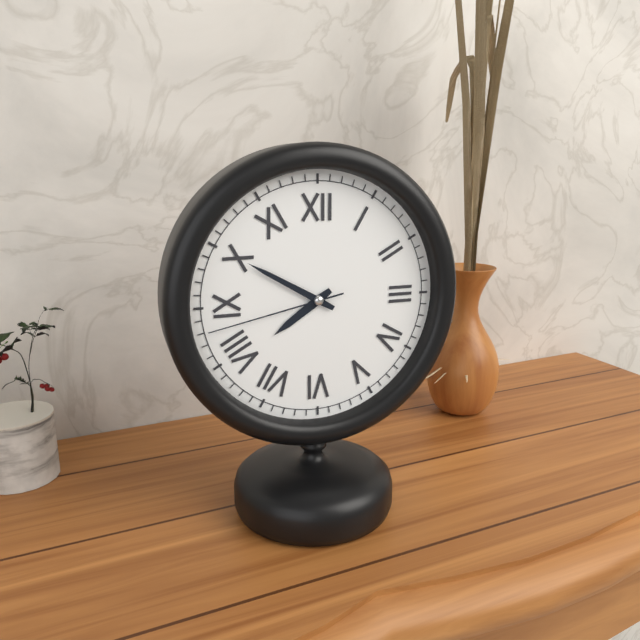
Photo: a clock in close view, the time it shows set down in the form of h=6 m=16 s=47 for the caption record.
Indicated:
h=7 m=50 s=43
